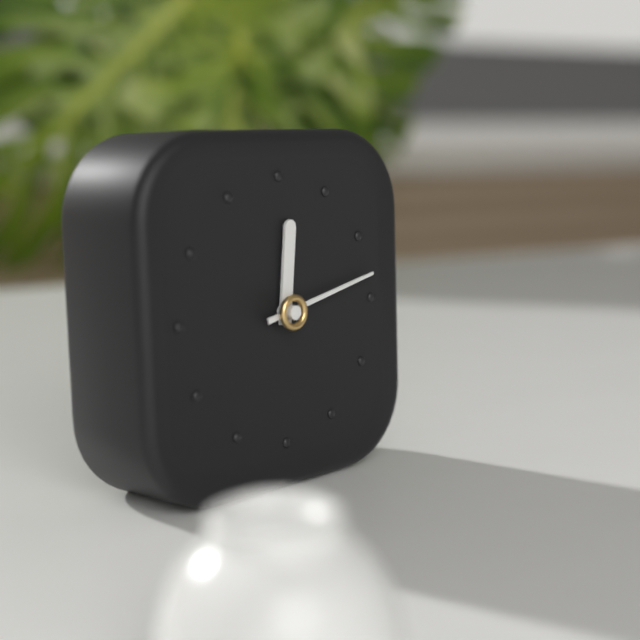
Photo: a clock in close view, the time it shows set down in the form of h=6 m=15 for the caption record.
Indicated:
h=12 m=13
